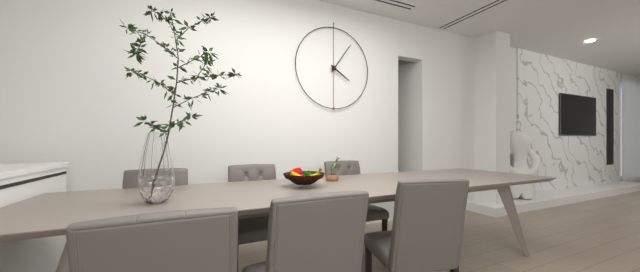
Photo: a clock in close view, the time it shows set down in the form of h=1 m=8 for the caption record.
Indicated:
h=4 m=6
